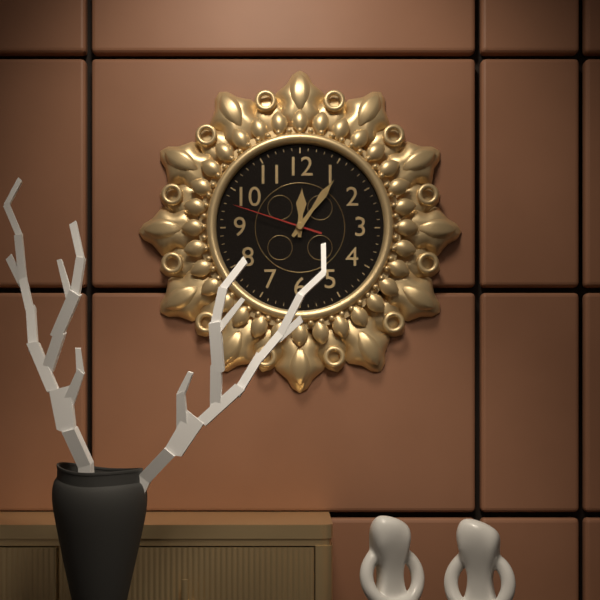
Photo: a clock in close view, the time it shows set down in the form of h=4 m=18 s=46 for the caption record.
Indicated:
h=12 m=6 s=48
